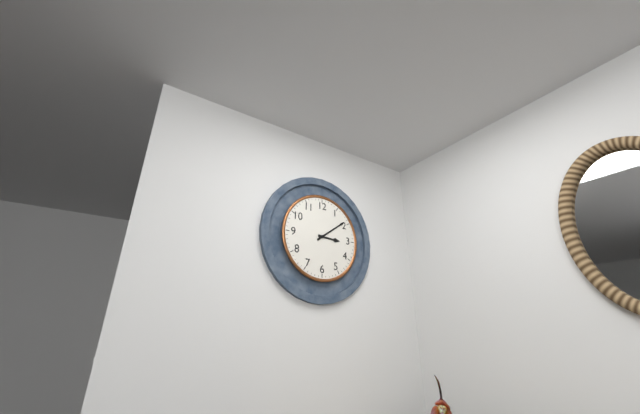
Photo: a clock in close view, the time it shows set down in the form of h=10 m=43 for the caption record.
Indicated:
h=3 m=9
